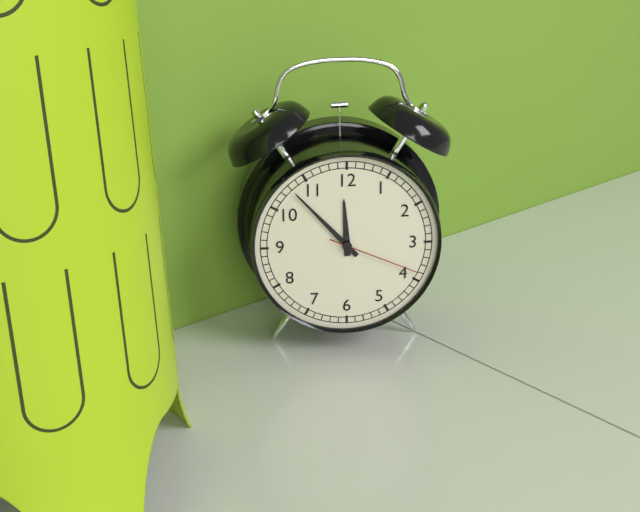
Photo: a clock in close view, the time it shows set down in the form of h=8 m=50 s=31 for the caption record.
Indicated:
h=11 m=53 s=19
